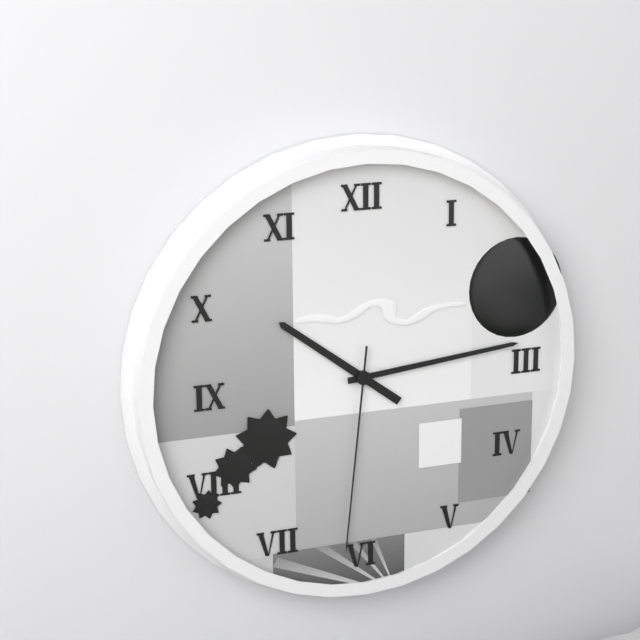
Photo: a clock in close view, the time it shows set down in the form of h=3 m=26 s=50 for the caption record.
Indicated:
h=10 m=14 s=31
